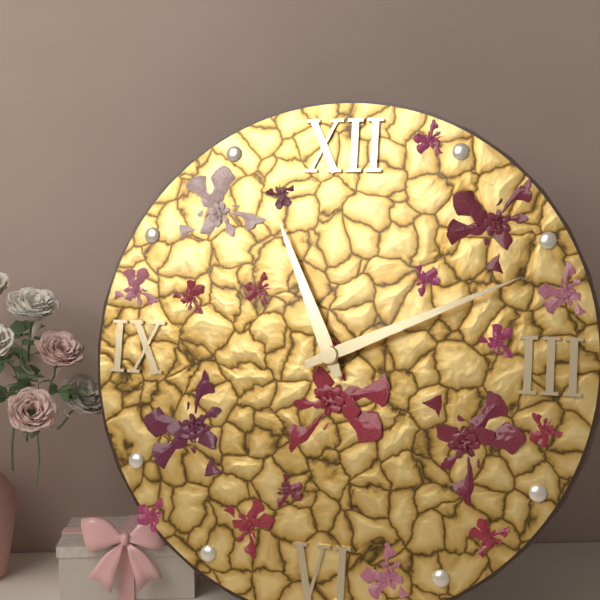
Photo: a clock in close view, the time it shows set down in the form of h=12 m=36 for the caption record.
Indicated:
h=11 m=11
